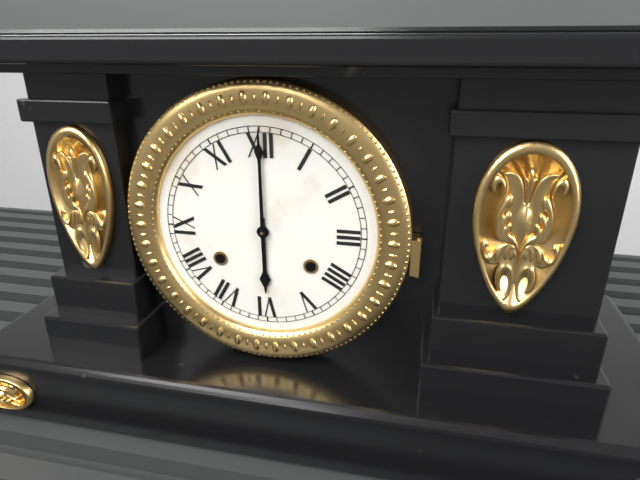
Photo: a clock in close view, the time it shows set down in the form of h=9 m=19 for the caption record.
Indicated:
h=6 m=0
